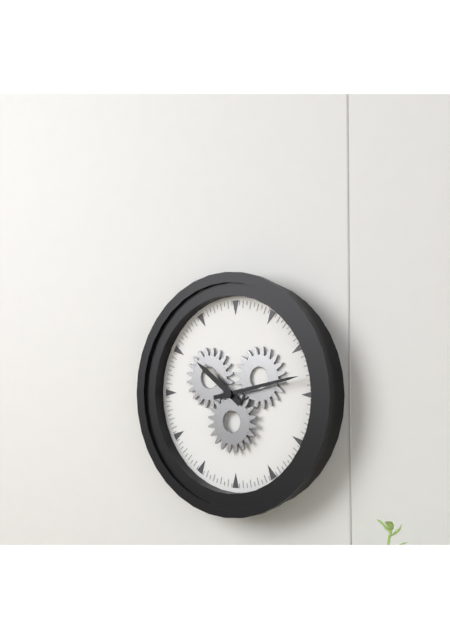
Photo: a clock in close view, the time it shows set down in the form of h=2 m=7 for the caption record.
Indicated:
h=10 m=13
